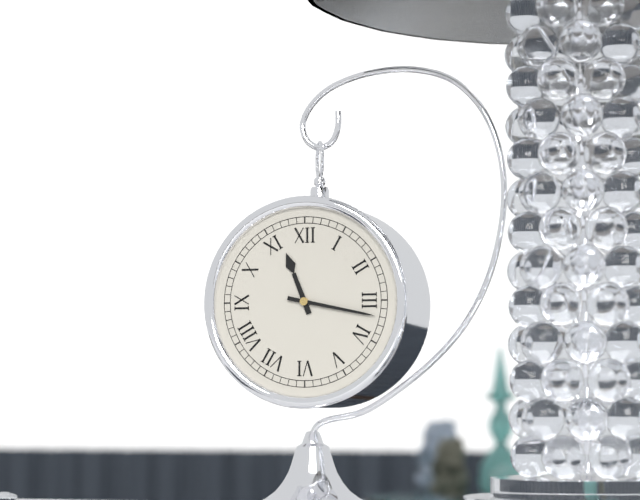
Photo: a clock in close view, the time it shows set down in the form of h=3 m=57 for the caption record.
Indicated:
h=11 m=17
